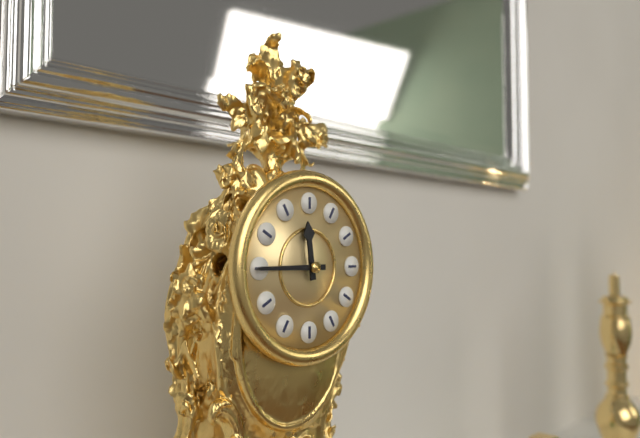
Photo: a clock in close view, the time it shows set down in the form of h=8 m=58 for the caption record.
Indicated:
h=11 m=45
